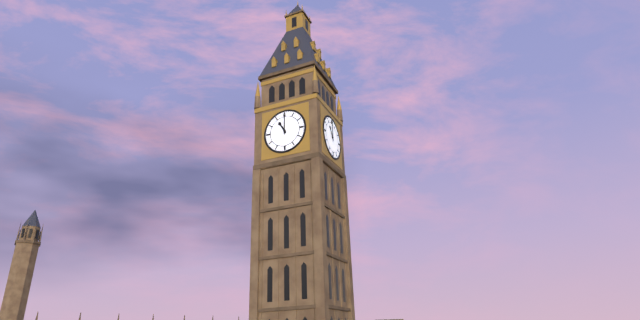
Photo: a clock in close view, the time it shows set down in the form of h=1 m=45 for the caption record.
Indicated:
h=11 m=0
